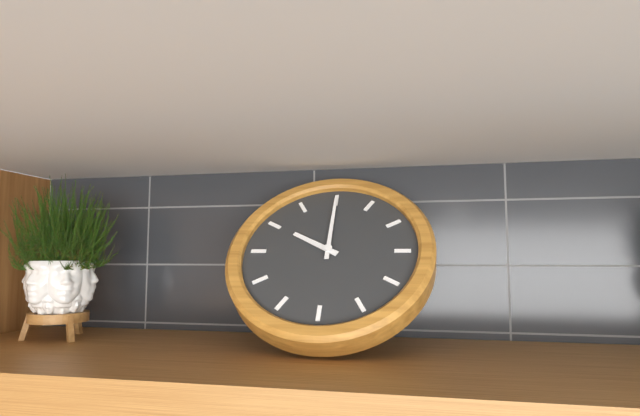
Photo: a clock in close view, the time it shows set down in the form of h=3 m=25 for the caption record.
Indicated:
h=10 m=0
